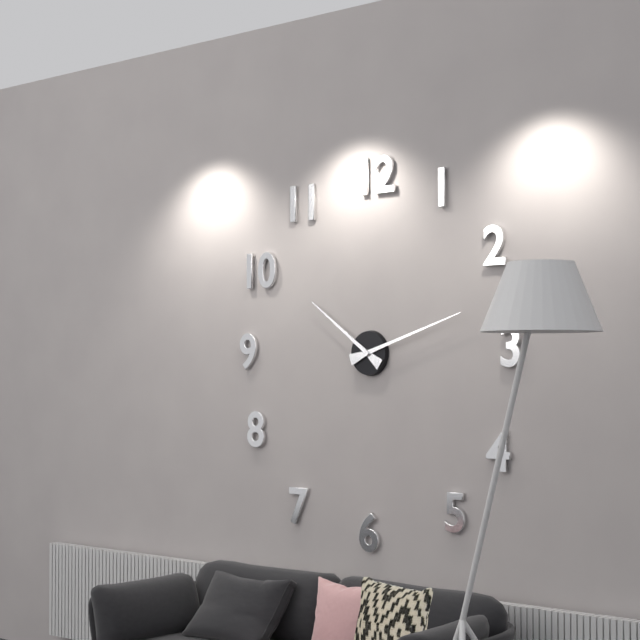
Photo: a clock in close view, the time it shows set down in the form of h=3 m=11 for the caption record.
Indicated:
h=10 m=12
